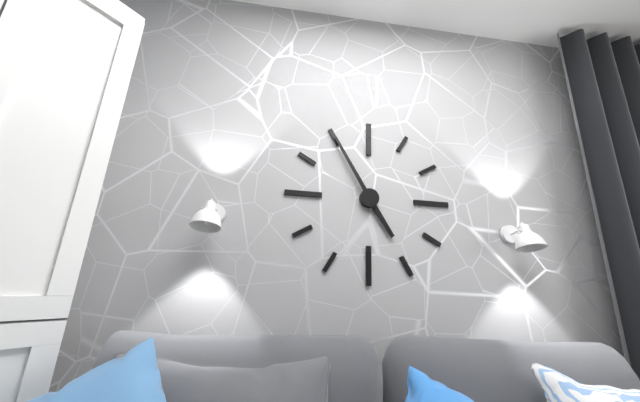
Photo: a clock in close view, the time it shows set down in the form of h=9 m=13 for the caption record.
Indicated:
h=4 m=55
